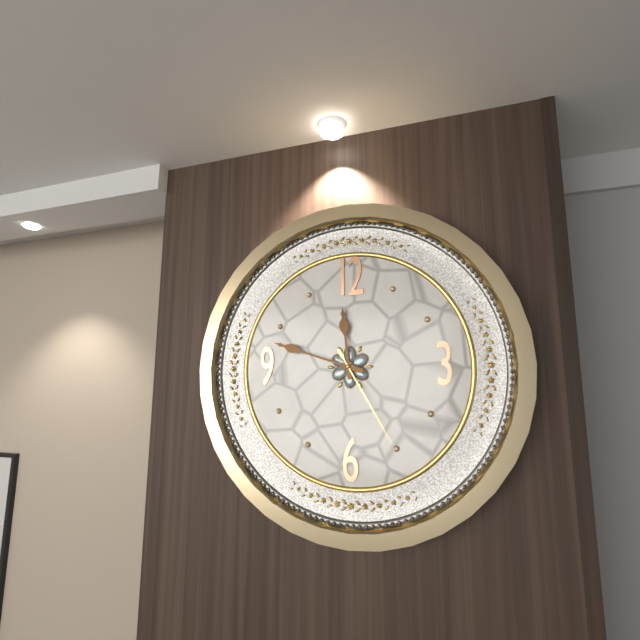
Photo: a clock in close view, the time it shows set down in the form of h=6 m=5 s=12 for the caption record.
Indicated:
h=11 m=48 s=25
